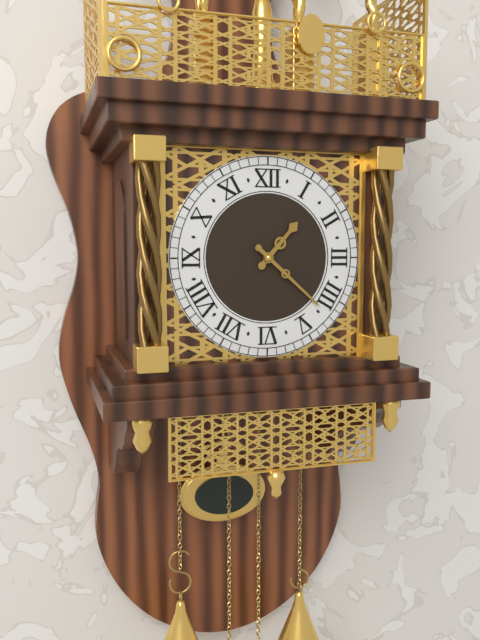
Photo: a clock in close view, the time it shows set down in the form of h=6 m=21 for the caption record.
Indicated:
h=1 m=22
